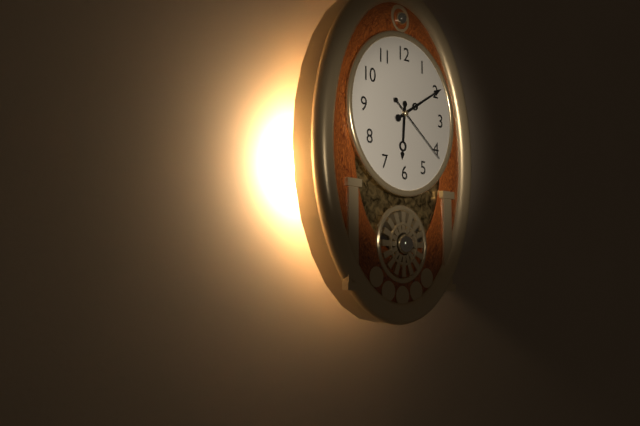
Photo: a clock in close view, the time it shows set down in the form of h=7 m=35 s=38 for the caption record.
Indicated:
h=6 m=10 s=21
